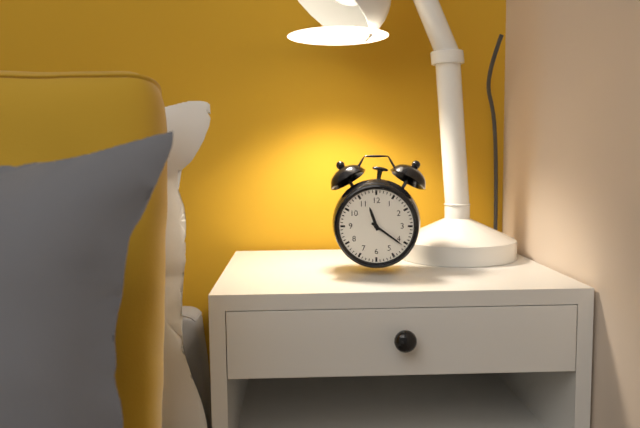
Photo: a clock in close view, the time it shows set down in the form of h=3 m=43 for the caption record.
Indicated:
h=11 m=21
